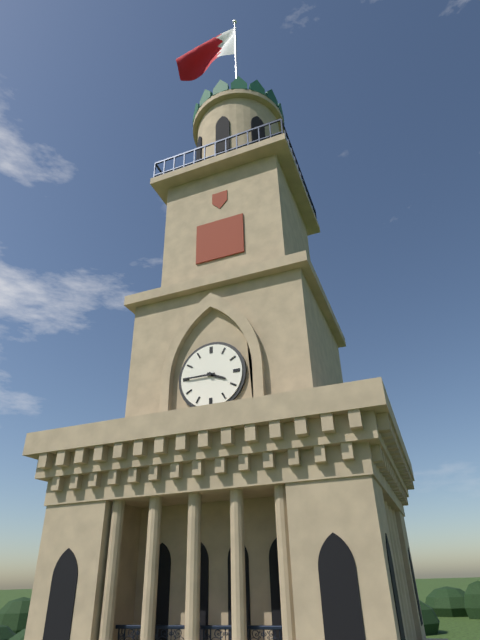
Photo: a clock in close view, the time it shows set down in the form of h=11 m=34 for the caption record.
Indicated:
h=3 m=45
